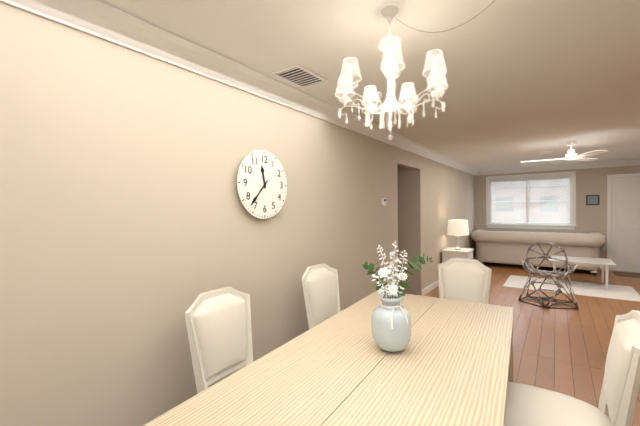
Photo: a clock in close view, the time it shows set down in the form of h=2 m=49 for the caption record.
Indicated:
h=11 m=37
